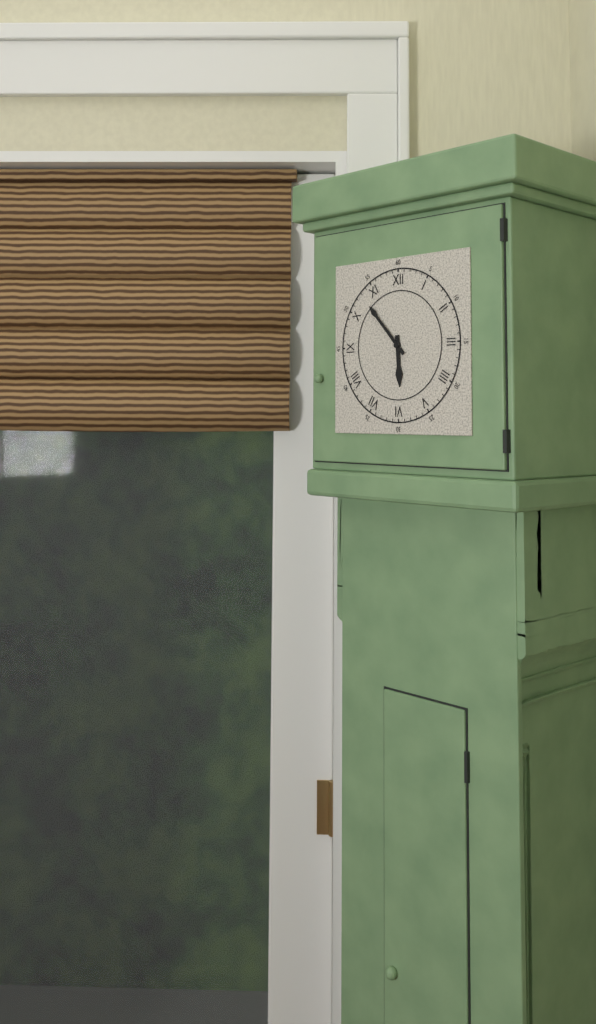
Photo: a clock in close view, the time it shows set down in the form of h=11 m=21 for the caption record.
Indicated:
h=5 m=53
